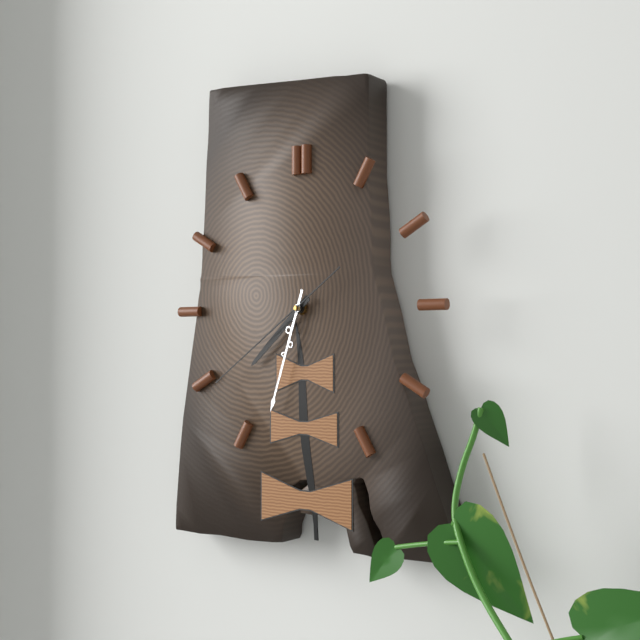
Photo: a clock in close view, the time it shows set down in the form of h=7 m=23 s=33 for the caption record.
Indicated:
h=7 m=33 s=39
